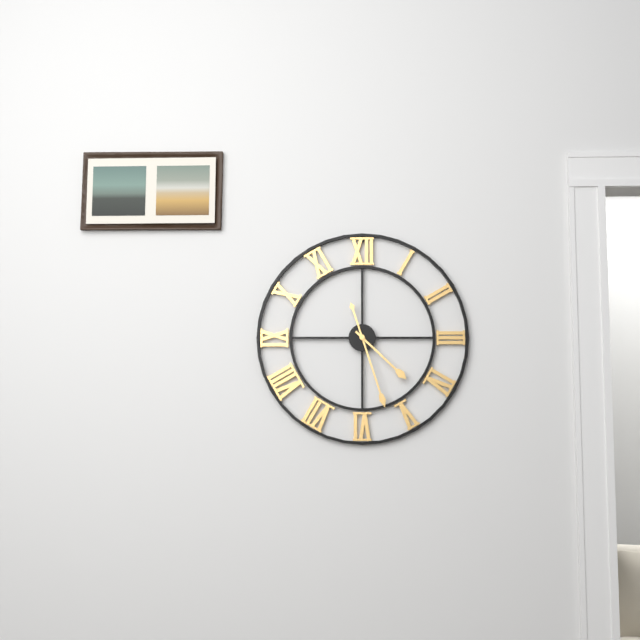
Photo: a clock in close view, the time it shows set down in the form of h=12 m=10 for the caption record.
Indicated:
h=4 m=27
